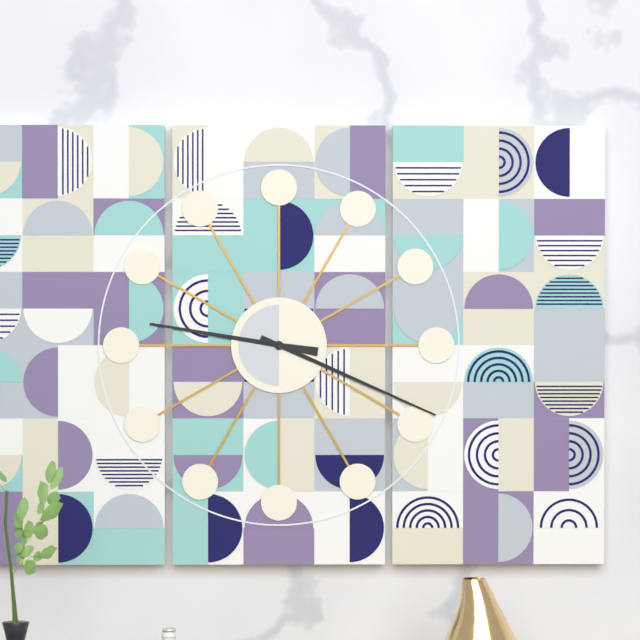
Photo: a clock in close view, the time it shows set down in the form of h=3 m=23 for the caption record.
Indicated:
h=9 m=19
